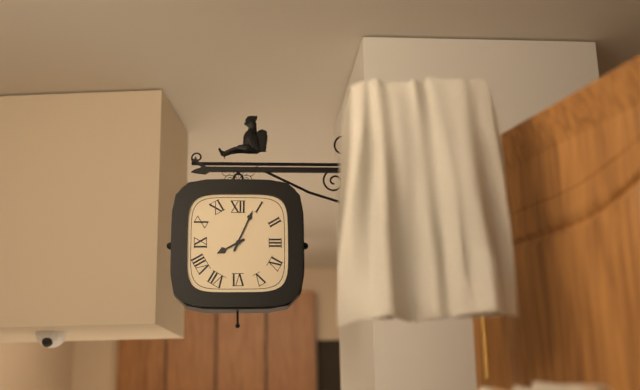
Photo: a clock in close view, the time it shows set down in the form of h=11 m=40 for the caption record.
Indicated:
h=8 m=4
